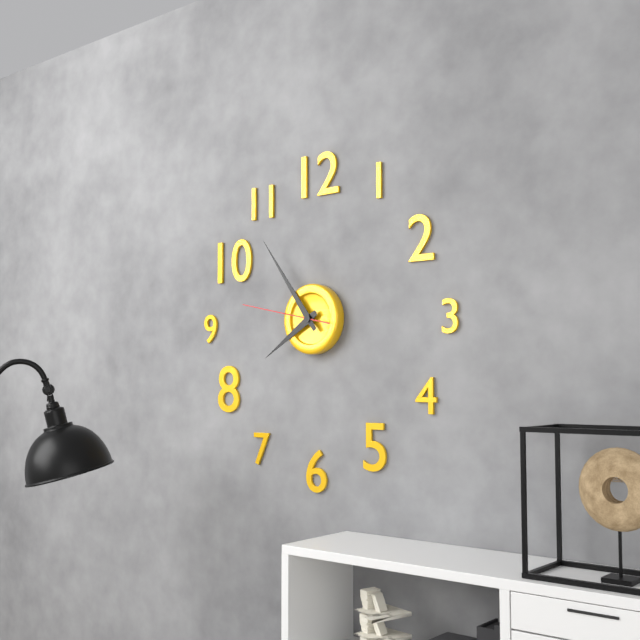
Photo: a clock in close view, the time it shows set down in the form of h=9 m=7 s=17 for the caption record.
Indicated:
h=7 m=54 s=47
